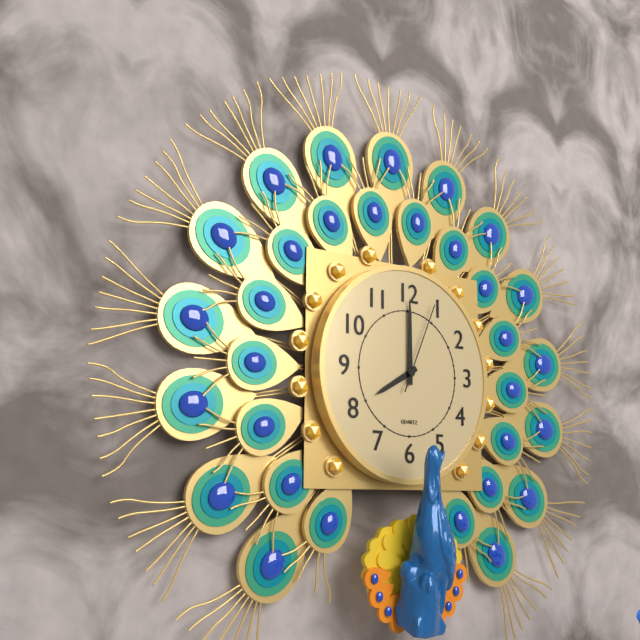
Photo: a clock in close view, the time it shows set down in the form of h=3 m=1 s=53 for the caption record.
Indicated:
h=8 m=0 s=4
